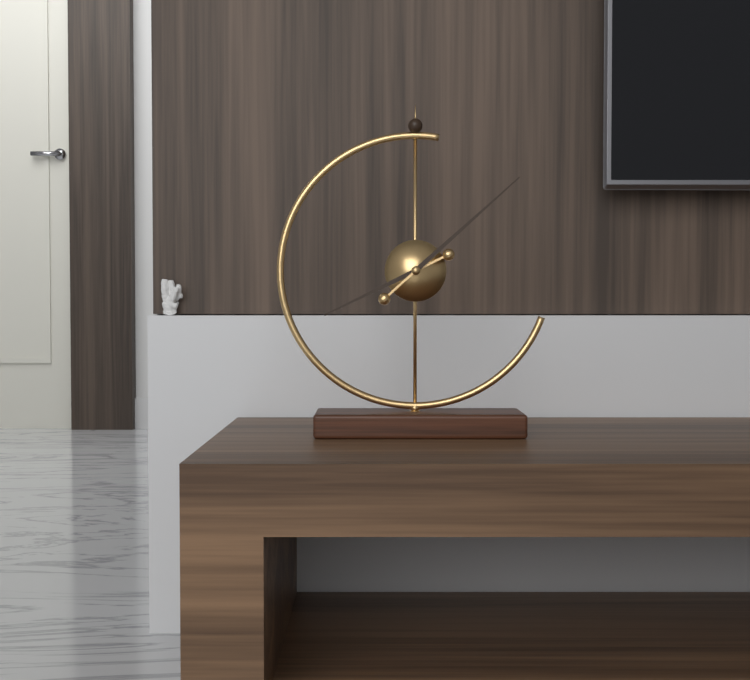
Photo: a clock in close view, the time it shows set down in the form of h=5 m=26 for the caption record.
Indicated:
h=8 m=8
